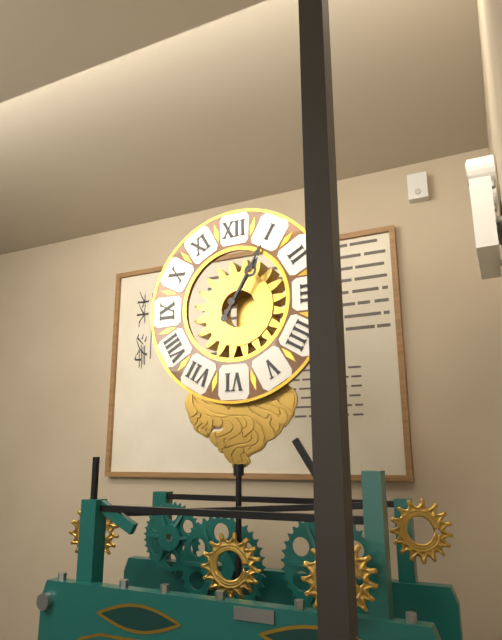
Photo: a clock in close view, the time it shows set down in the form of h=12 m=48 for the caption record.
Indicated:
h=1 m=5
